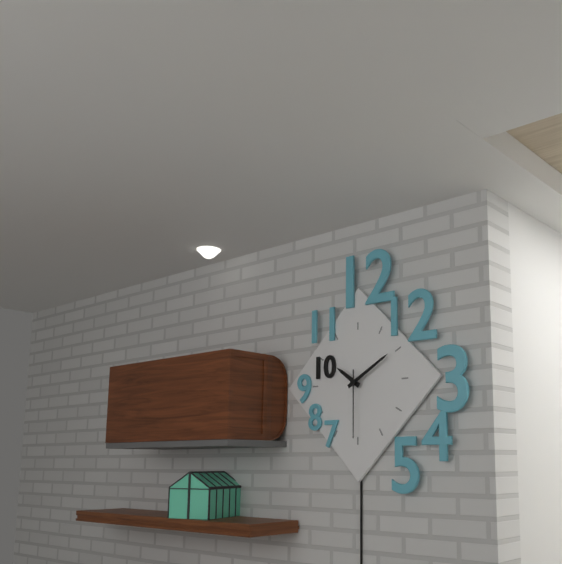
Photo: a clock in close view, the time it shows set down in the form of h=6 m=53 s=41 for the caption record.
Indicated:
h=10 m=10 s=30
